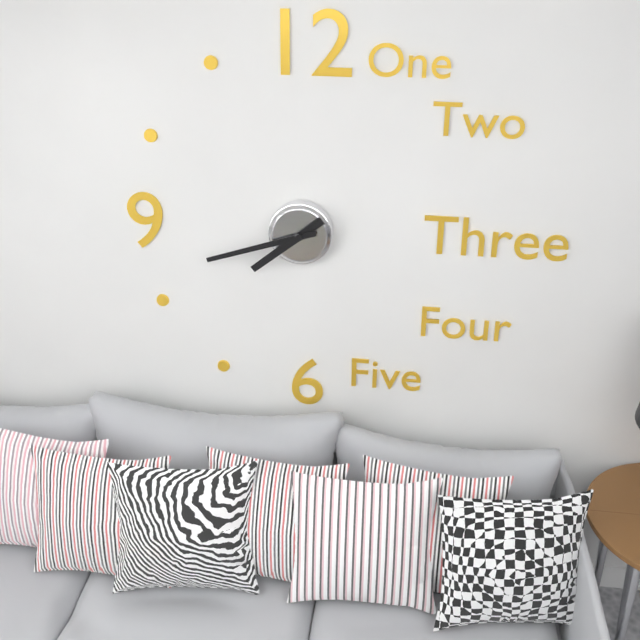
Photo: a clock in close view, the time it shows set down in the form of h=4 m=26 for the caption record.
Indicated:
h=7 m=42
